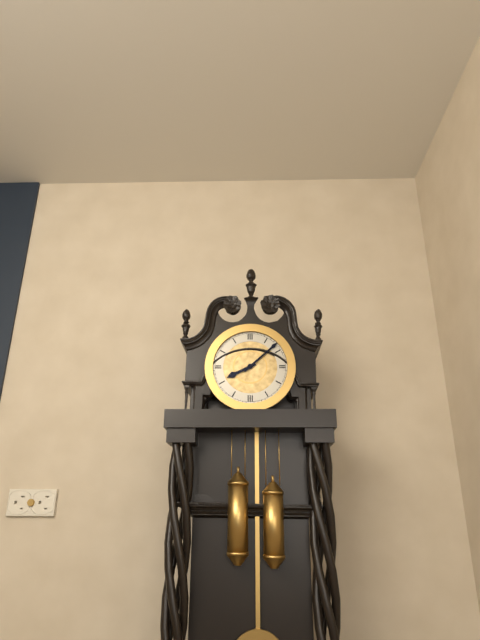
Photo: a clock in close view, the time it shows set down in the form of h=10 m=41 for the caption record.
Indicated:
h=8 m=8
